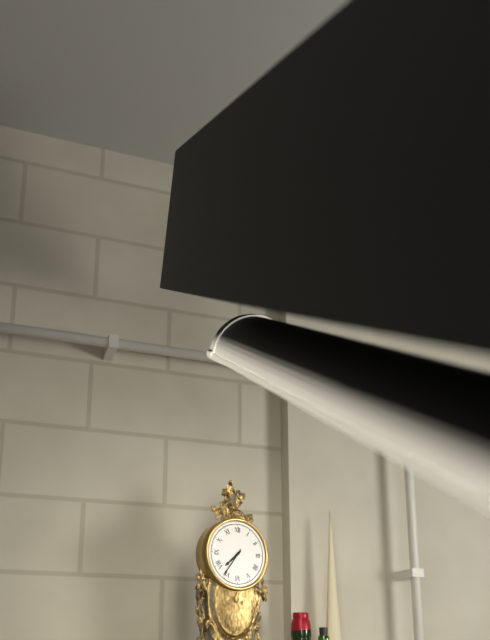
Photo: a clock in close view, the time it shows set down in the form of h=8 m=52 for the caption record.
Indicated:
h=7 m=36
